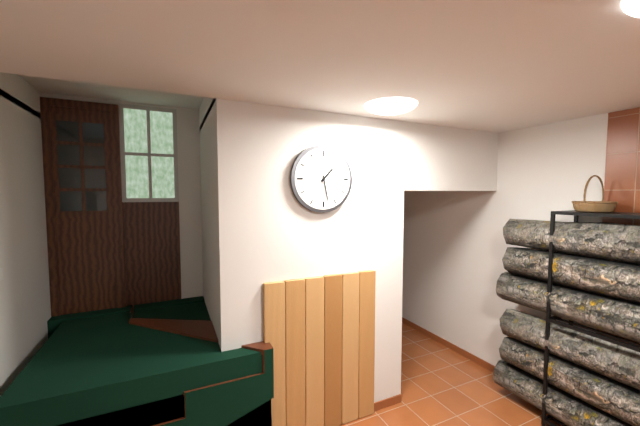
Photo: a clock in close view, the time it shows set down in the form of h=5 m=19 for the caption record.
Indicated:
h=1 m=28
